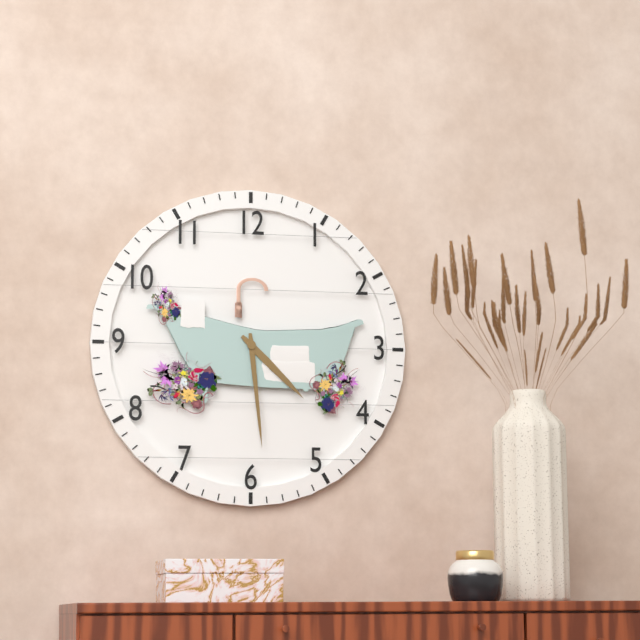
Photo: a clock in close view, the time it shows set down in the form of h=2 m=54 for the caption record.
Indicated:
h=4 m=29
